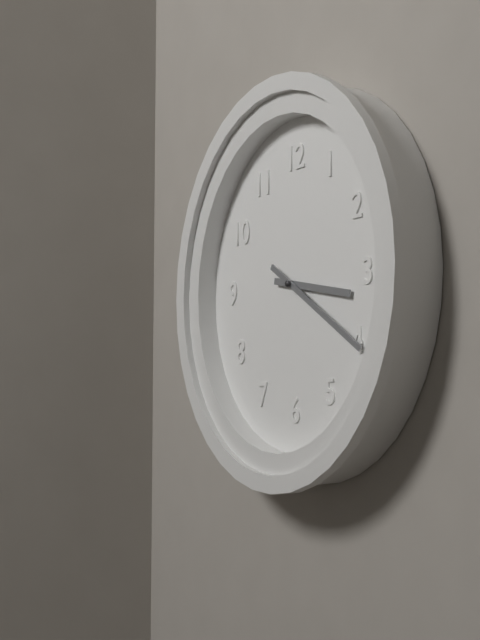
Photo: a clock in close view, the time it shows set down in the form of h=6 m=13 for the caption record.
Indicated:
h=3 m=20
